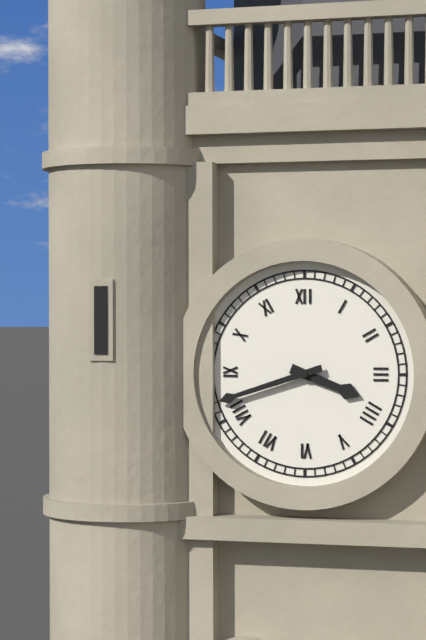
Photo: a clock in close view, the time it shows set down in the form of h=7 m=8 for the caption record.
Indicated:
h=3 m=42
